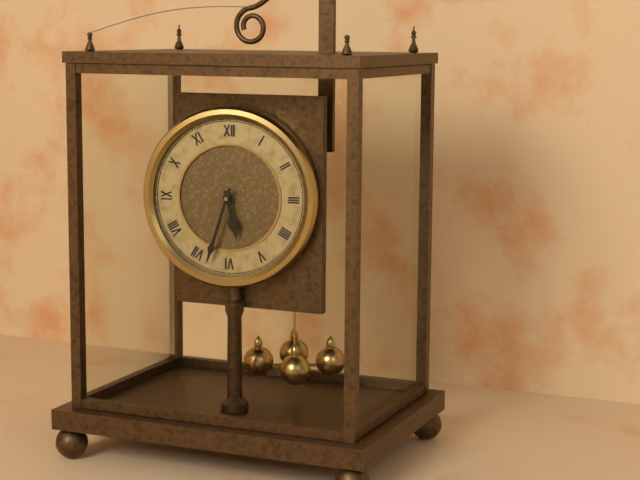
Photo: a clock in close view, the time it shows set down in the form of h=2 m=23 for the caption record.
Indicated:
h=5 m=33
